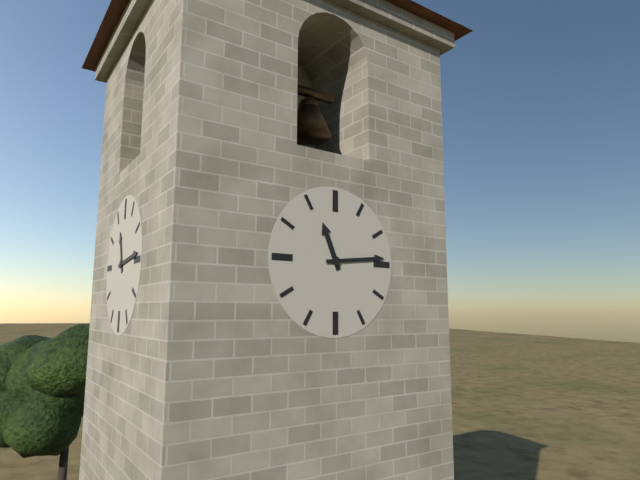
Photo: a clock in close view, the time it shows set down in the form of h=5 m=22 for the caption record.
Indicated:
h=11 m=14
